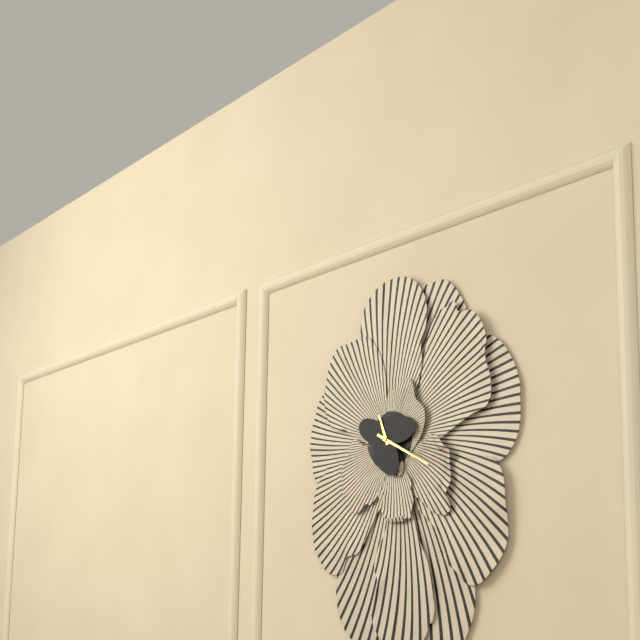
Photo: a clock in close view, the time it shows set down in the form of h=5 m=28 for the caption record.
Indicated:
h=11 m=20
